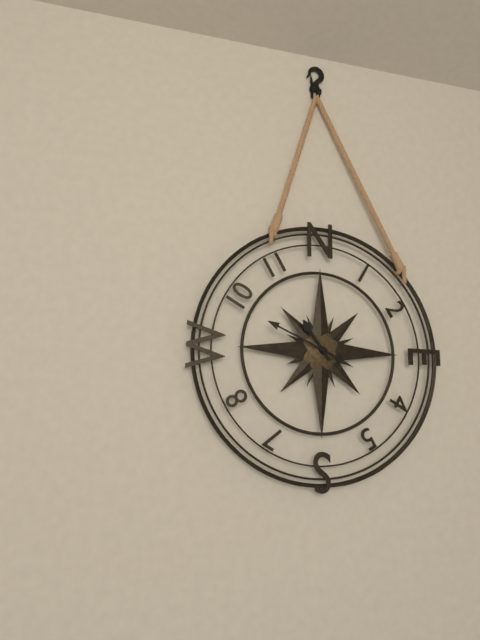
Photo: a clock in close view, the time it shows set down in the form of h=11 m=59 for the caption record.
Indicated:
h=10 m=49
